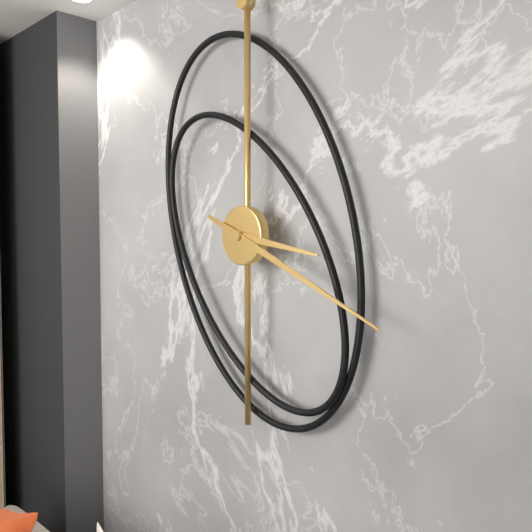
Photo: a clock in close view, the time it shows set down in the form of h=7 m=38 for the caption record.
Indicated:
h=3 m=19
